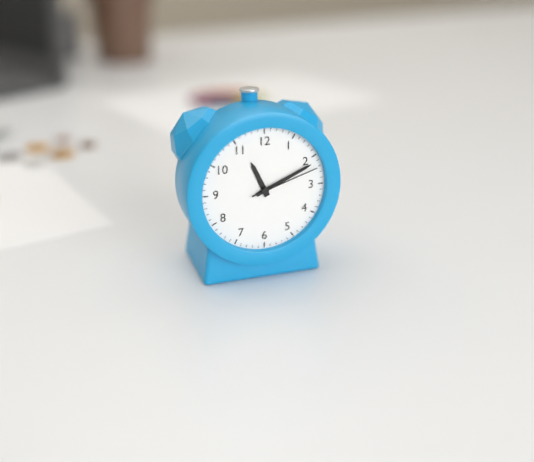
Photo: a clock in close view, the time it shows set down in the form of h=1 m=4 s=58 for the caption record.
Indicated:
h=11 m=11 s=12
